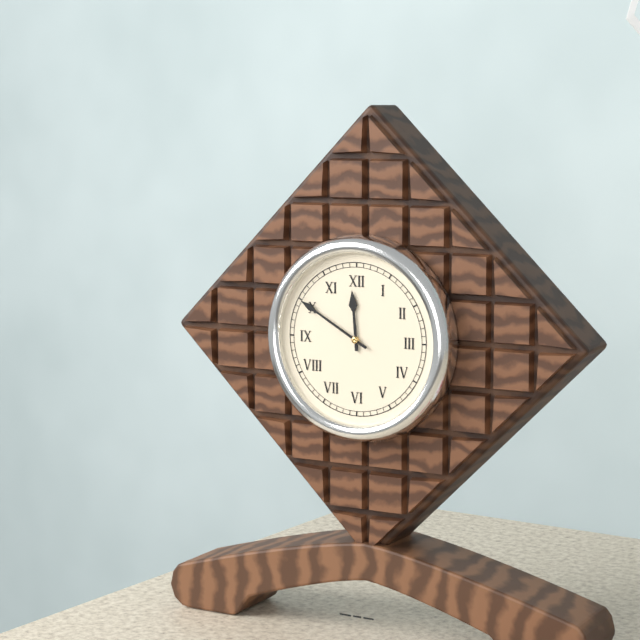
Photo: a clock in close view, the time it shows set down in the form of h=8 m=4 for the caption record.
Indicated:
h=11 m=50
